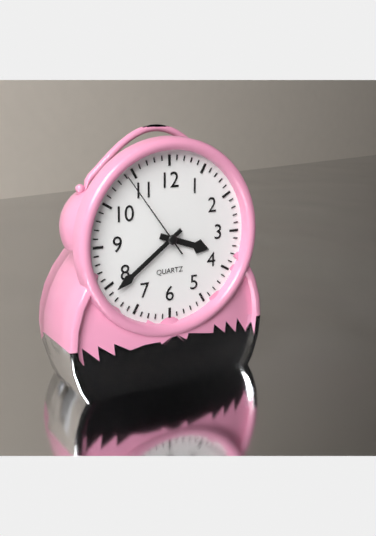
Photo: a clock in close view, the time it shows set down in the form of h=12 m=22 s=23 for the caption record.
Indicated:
h=3 m=39 s=54
